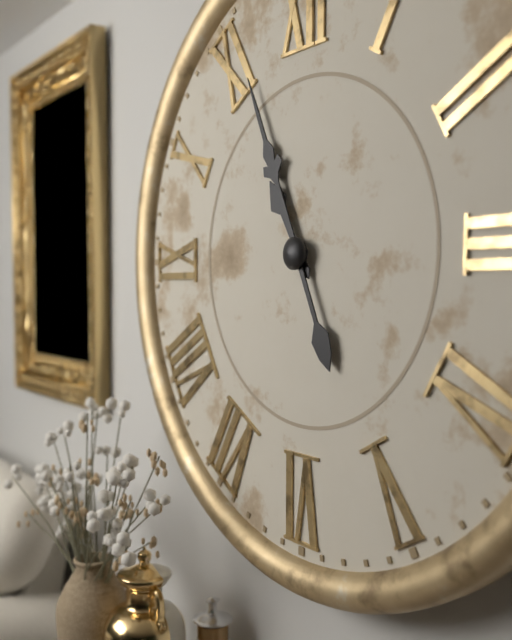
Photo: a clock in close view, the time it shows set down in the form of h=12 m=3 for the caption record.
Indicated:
h=10 m=56
